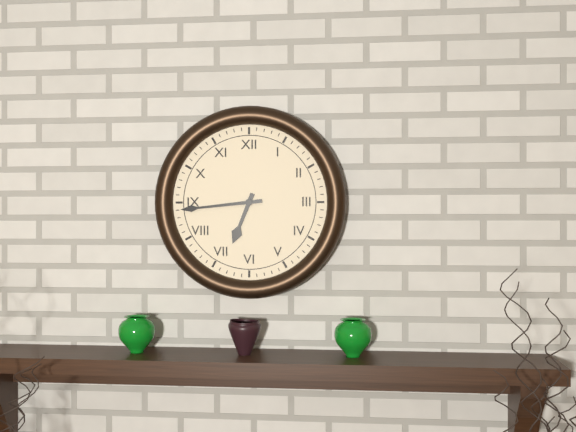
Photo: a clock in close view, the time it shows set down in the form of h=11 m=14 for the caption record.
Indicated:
h=6 m=44
